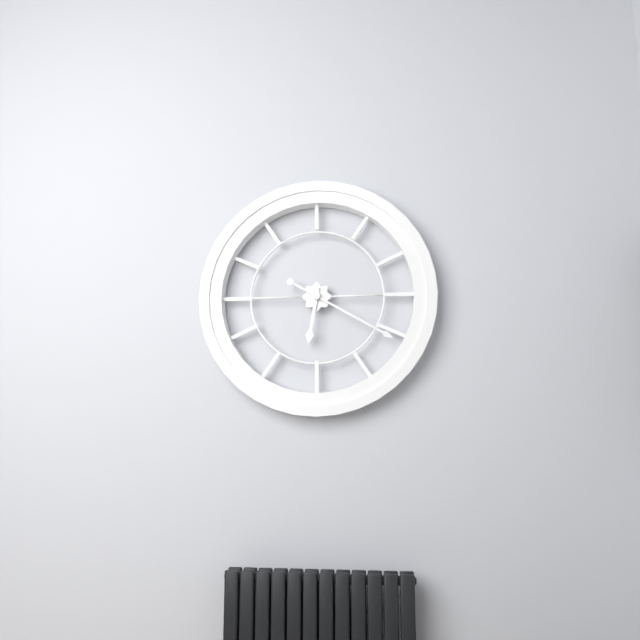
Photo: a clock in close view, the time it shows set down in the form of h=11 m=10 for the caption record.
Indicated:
h=6 m=20
